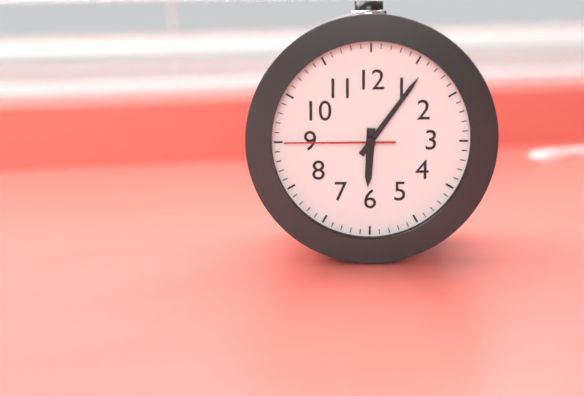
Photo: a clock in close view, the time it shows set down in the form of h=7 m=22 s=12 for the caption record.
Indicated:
h=6 m=6 s=45
